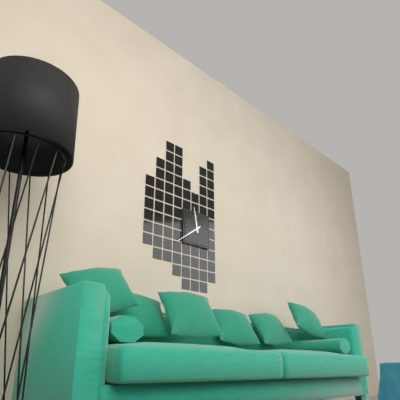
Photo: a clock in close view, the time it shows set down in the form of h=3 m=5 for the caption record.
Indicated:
h=11 m=39
